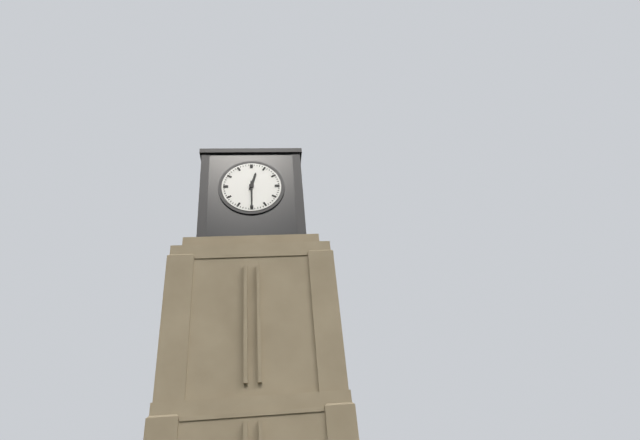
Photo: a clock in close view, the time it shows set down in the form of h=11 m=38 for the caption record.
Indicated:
h=12 m=30
